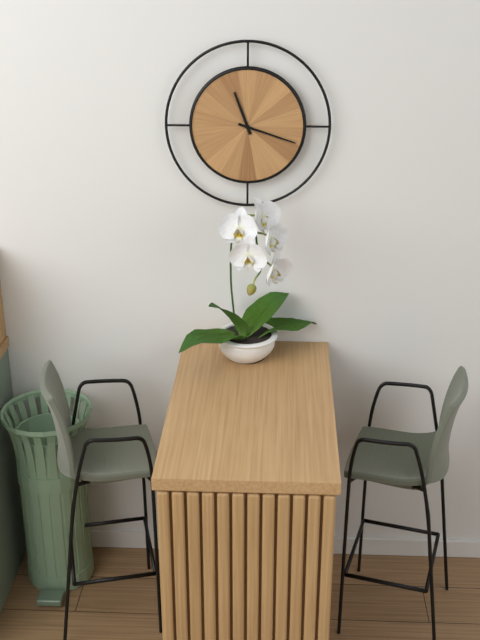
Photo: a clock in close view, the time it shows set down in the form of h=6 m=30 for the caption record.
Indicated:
h=11 m=18
